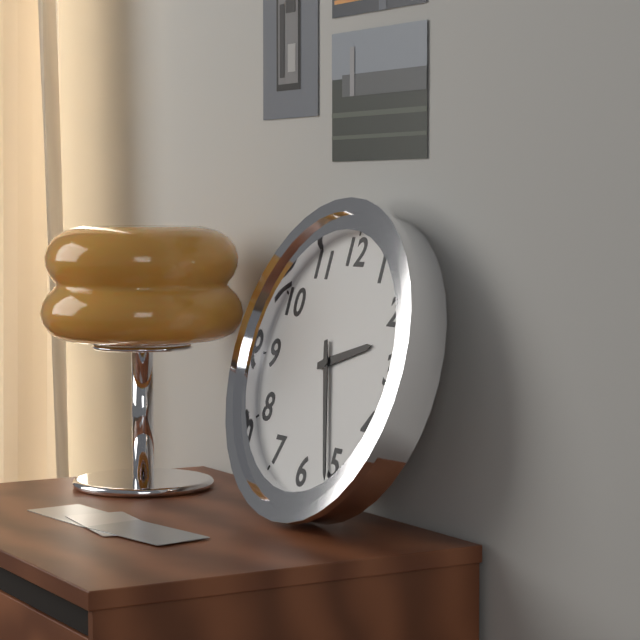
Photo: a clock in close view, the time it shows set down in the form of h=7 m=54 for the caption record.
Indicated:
h=2 m=26
